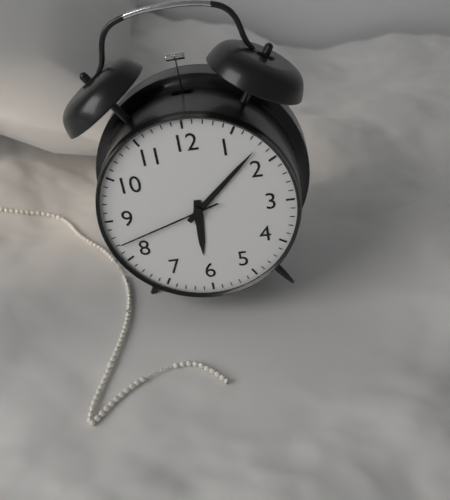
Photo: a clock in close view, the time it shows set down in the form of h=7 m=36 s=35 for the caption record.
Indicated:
h=6 m=8 s=42
